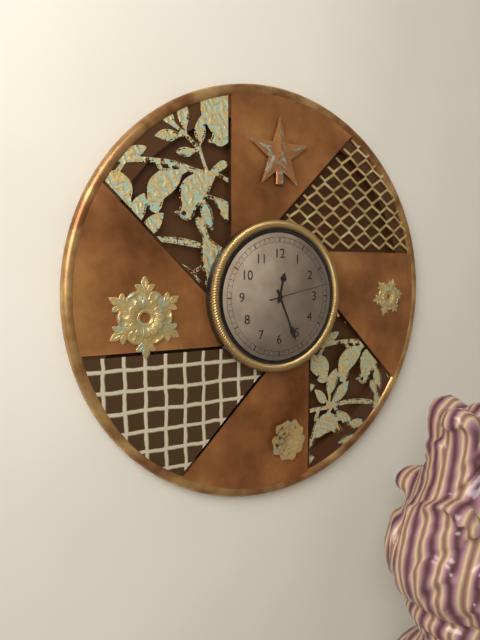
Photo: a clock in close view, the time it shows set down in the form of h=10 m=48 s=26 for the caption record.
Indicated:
h=12 m=26 s=13
